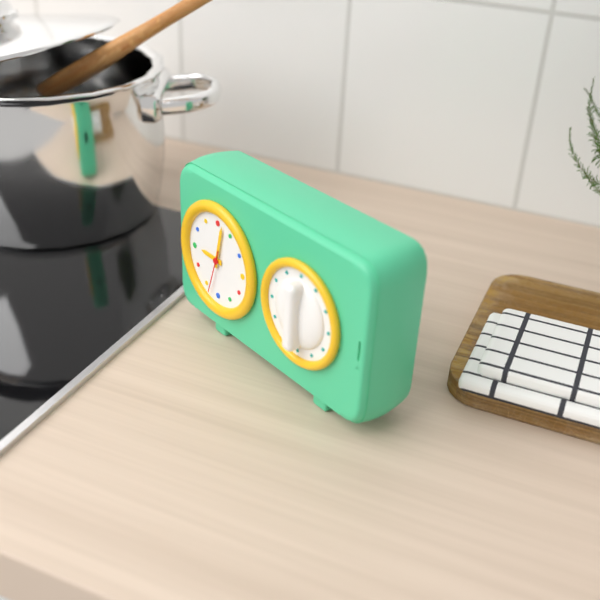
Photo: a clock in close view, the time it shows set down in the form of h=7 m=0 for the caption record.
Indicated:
h=9 m=2
